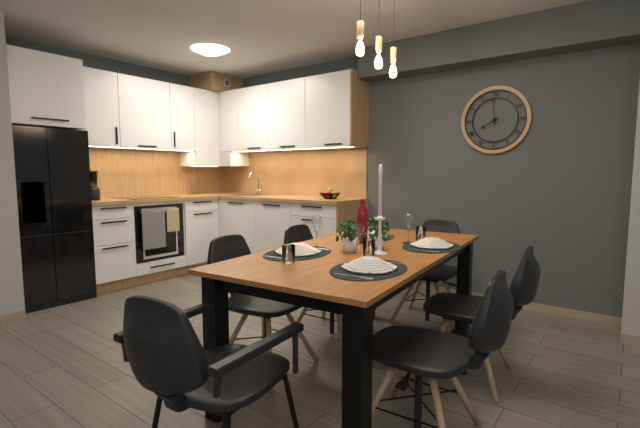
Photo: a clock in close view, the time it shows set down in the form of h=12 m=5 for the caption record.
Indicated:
h=7 m=59
